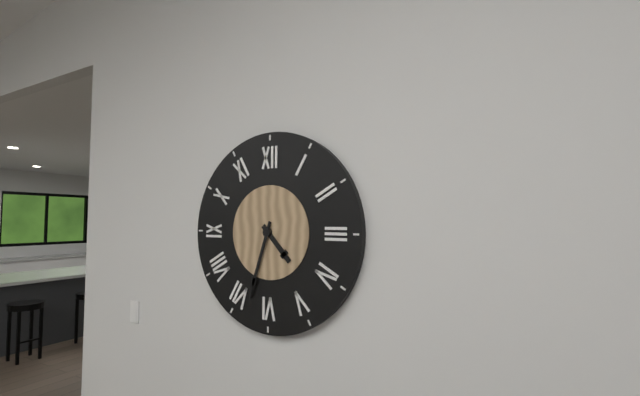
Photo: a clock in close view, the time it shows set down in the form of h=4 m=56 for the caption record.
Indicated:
h=4 m=33
